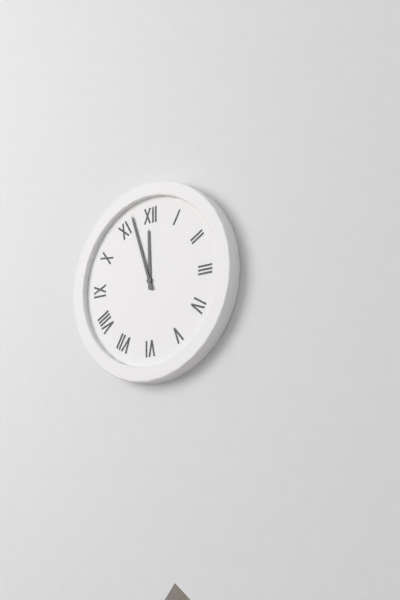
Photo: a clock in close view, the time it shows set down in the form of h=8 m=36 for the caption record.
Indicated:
h=11 m=57
